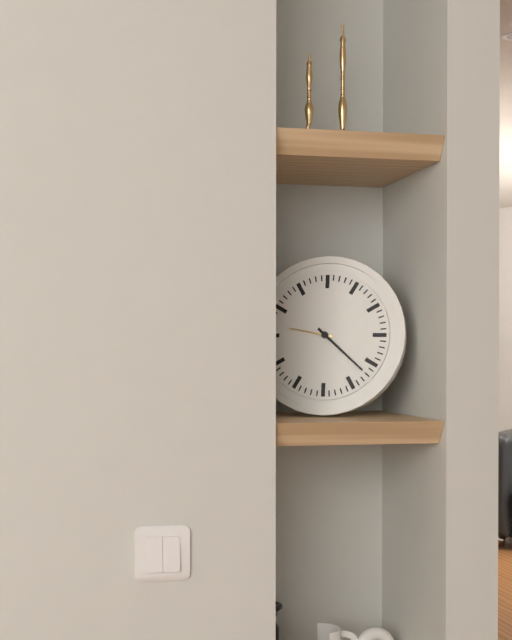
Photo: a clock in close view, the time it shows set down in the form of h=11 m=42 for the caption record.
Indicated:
h=9 m=22
